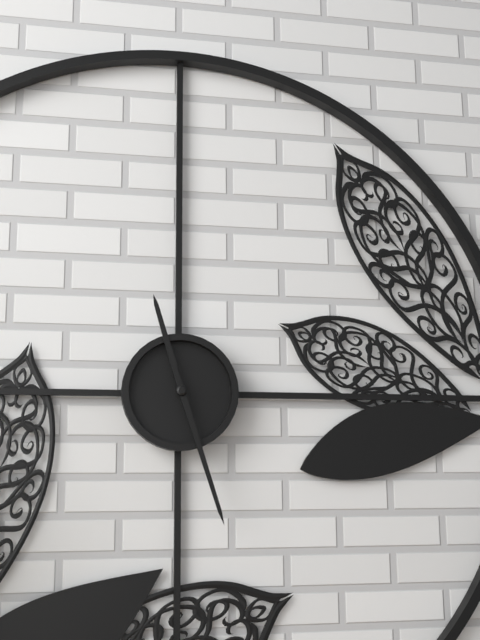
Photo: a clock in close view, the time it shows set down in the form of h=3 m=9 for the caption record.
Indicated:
h=11 m=27
